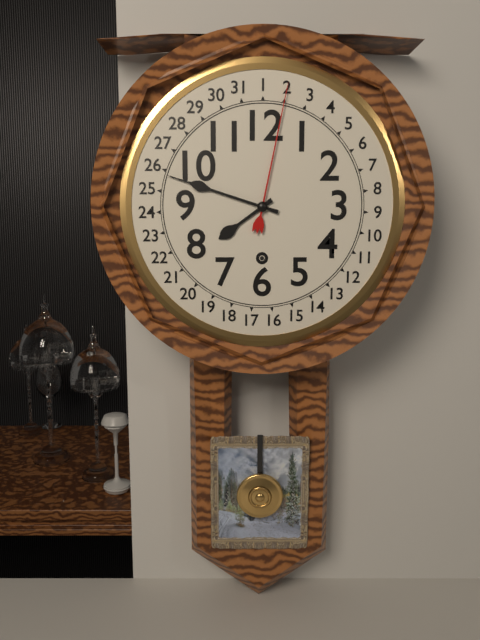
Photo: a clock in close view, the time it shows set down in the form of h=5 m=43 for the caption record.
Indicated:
h=7 m=48
